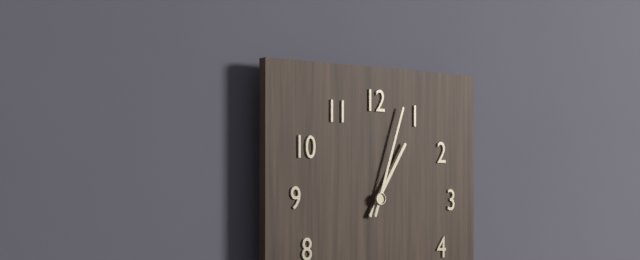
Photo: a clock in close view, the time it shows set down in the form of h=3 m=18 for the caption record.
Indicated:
h=1 m=3
